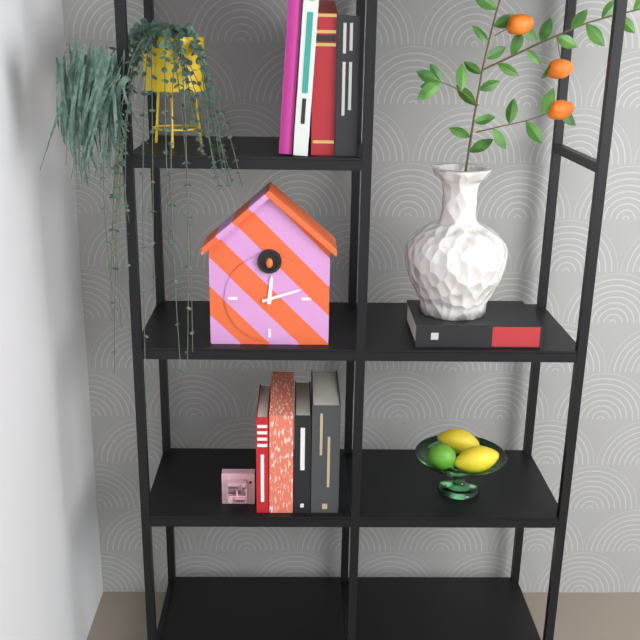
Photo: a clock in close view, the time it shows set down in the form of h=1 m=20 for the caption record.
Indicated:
h=12 m=12
